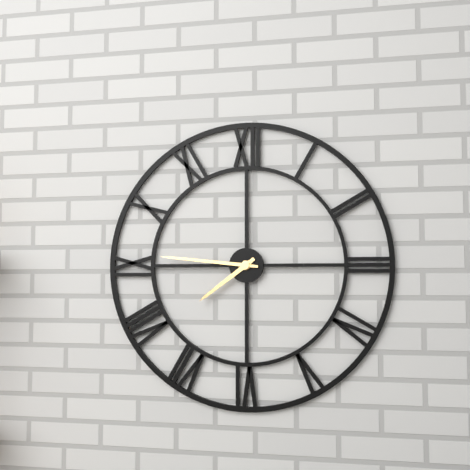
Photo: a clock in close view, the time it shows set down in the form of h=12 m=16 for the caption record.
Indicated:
h=7 m=46
